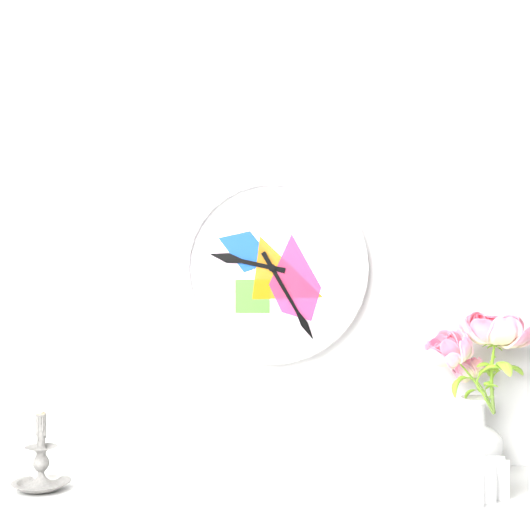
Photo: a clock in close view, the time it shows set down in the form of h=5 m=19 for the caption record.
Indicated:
h=9 m=25
